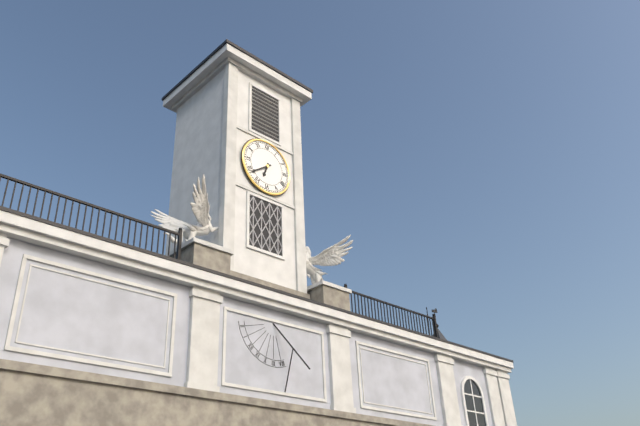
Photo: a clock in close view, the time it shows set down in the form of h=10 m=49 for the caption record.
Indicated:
h=6 m=39
